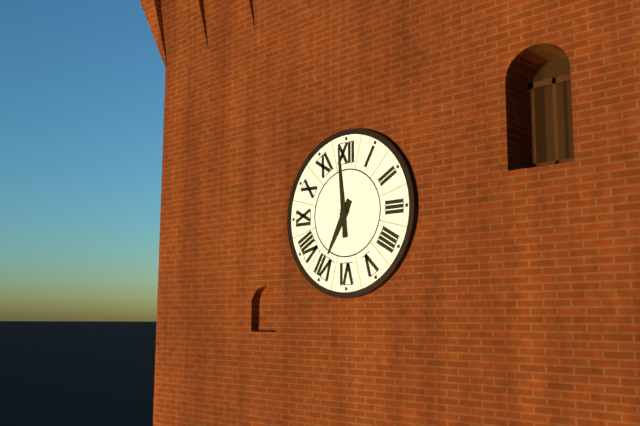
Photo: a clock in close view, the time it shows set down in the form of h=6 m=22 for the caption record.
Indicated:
h=6 m=59
